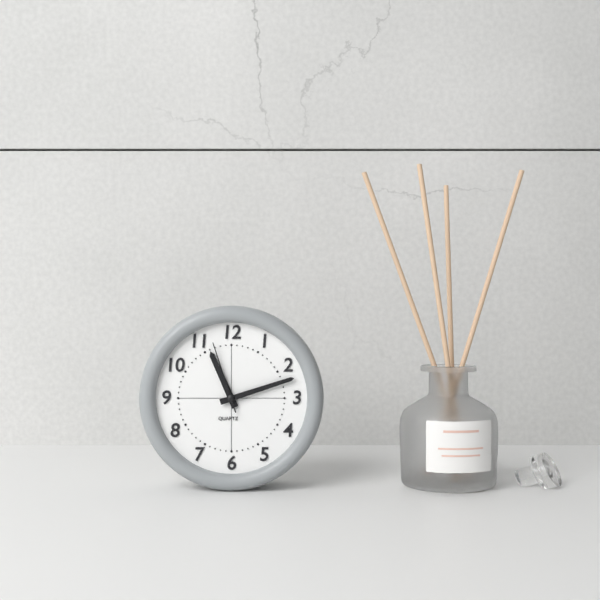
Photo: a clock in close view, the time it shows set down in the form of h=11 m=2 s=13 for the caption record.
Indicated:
h=11 m=12 s=57
